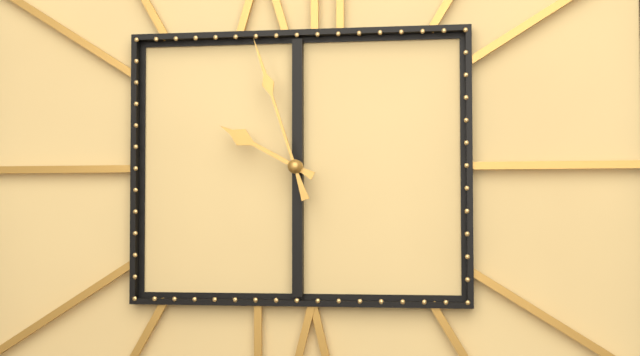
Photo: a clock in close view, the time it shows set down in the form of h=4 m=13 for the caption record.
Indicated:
h=9 m=57
